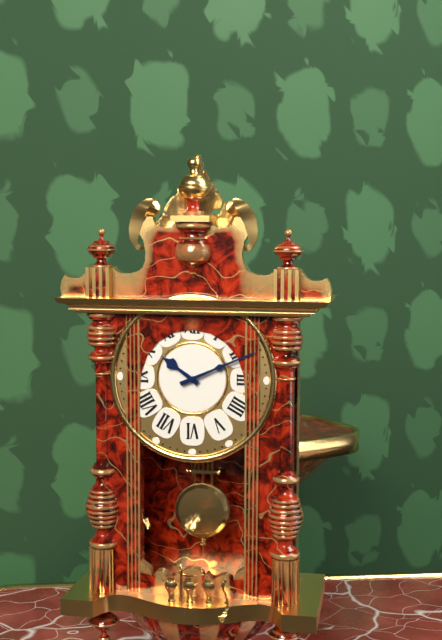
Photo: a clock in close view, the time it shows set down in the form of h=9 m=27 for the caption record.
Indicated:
h=10 m=11
